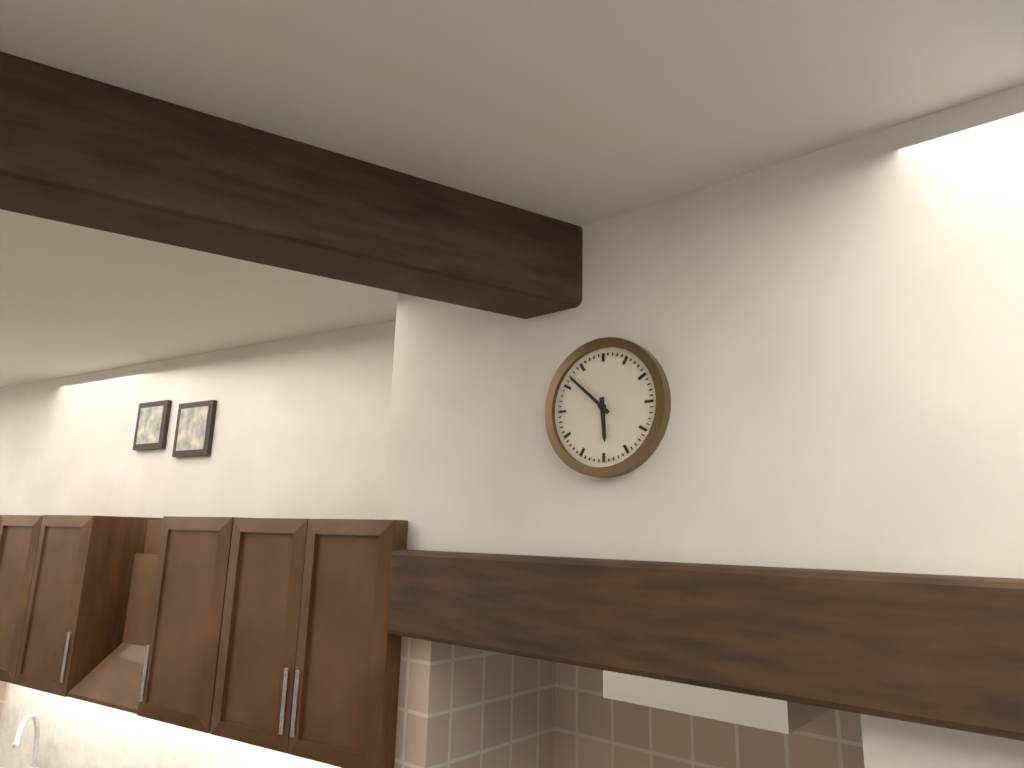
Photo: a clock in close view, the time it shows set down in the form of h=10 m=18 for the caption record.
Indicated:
h=5 m=52
